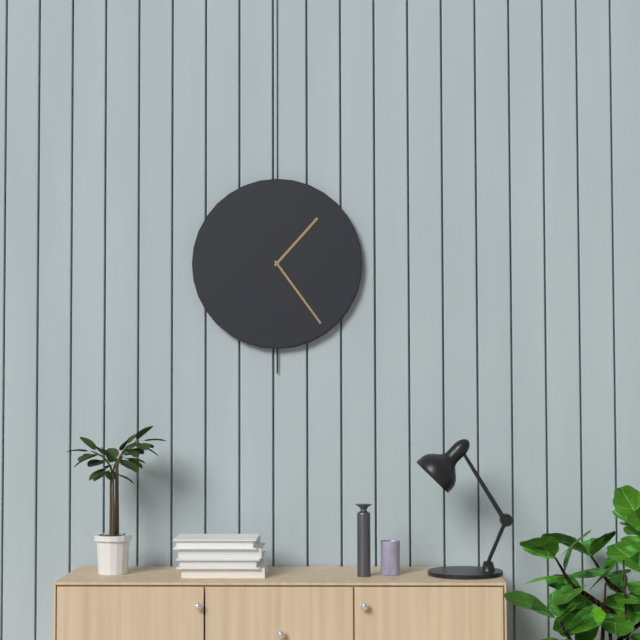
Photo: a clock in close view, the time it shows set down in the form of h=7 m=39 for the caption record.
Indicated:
h=1 m=24
